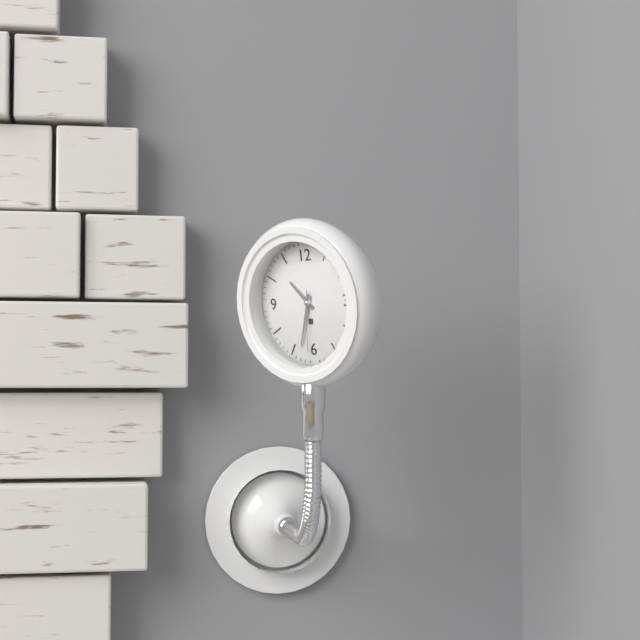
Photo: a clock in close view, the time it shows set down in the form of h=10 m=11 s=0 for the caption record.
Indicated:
h=10 m=33 s=31
